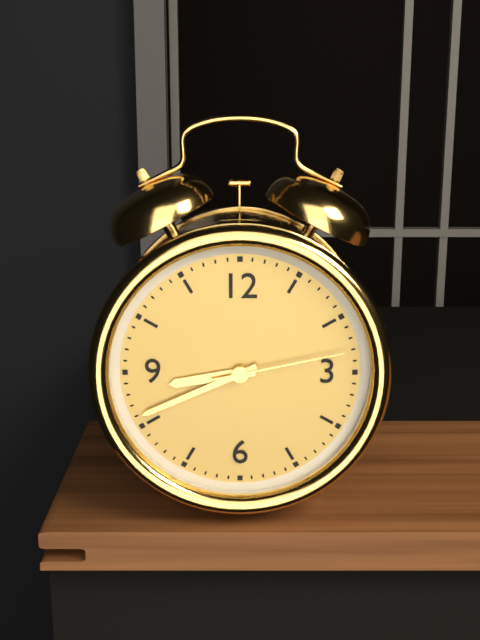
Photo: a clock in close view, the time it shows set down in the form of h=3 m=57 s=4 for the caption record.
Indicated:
h=8 m=41 s=13
